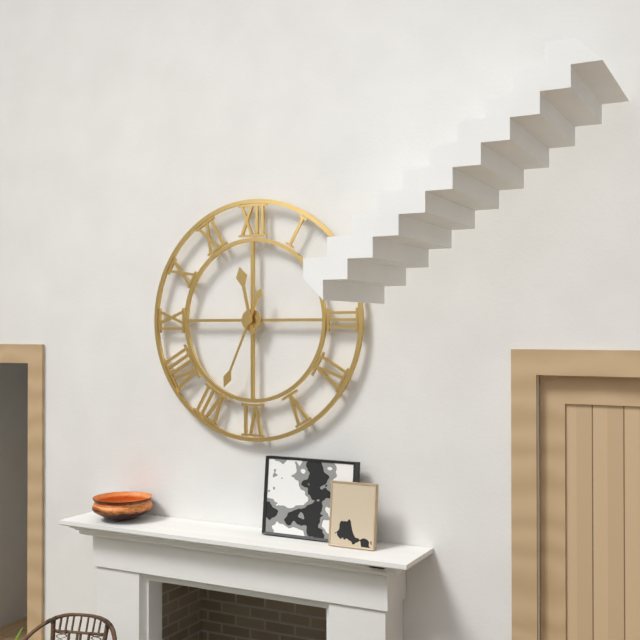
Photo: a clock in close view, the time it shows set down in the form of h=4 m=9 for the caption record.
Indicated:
h=11 m=34
